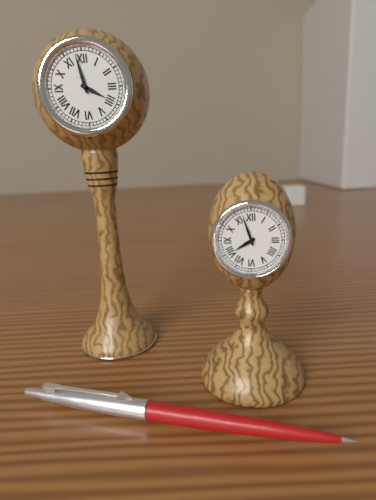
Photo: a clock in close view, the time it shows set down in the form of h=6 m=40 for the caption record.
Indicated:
h=3 m=58
